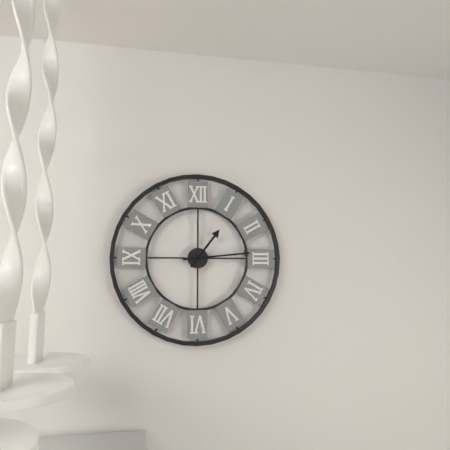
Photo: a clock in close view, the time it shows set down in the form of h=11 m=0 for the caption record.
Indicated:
h=1 m=14
